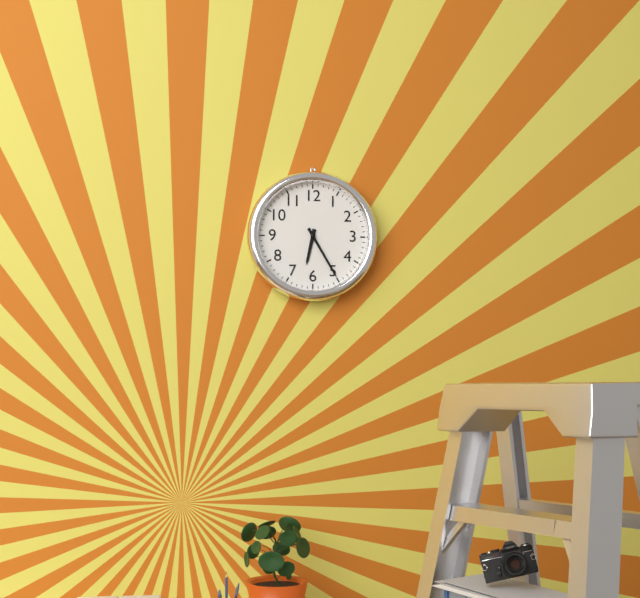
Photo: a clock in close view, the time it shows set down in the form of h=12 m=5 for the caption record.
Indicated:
h=6 m=25
